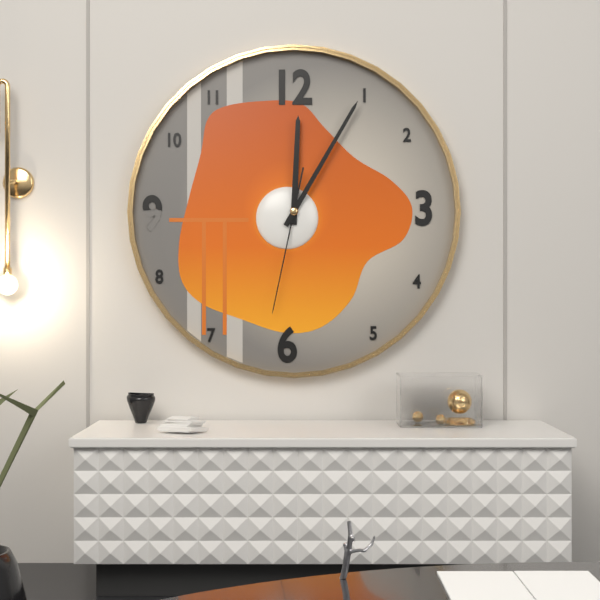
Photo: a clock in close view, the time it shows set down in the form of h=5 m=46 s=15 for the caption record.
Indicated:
h=12 m=5 s=32
